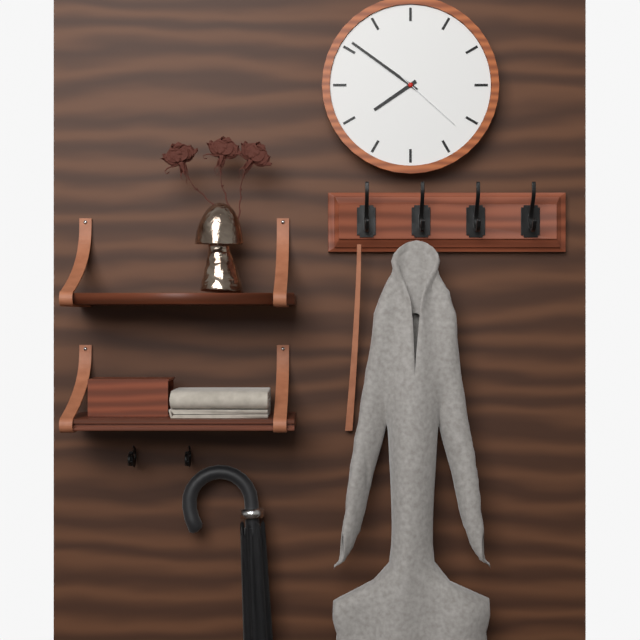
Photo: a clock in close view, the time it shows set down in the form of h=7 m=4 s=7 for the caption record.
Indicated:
h=7 m=51 s=22
